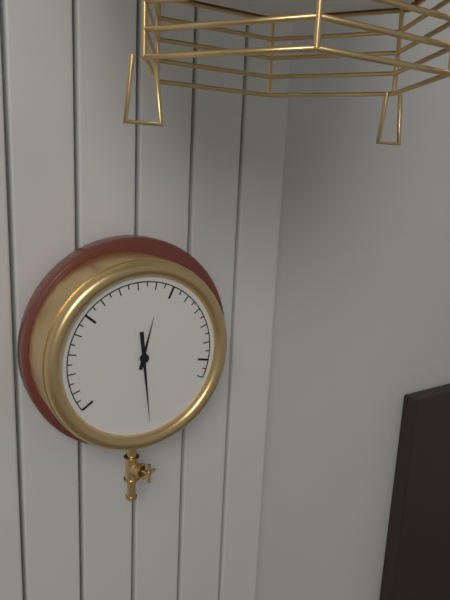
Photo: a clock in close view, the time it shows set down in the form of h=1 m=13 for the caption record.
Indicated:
h=12 m=29
